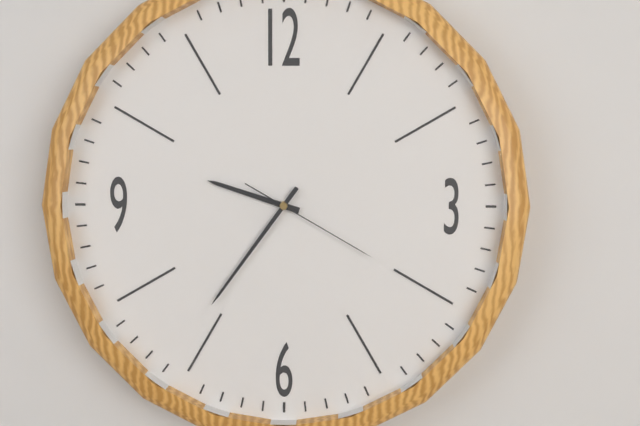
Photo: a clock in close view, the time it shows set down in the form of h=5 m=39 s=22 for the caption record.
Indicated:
h=9 m=36 s=20
